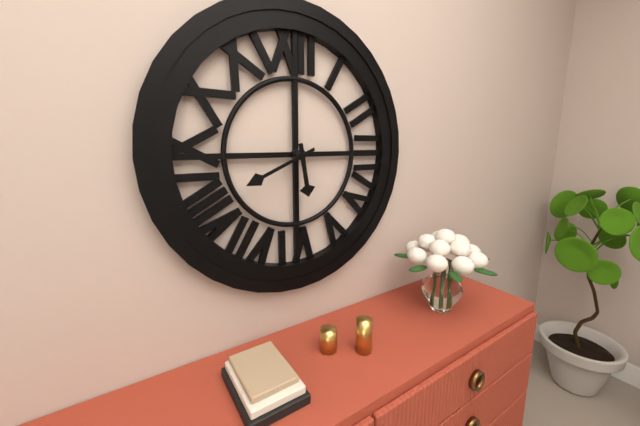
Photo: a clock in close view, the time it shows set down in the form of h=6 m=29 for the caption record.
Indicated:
h=5 m=41
